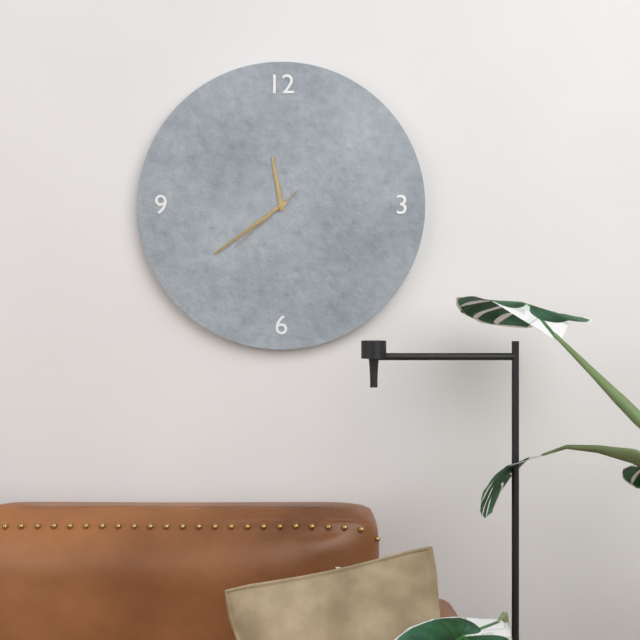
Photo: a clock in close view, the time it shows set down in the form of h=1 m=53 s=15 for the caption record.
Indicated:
h=11 m=39 s=38
